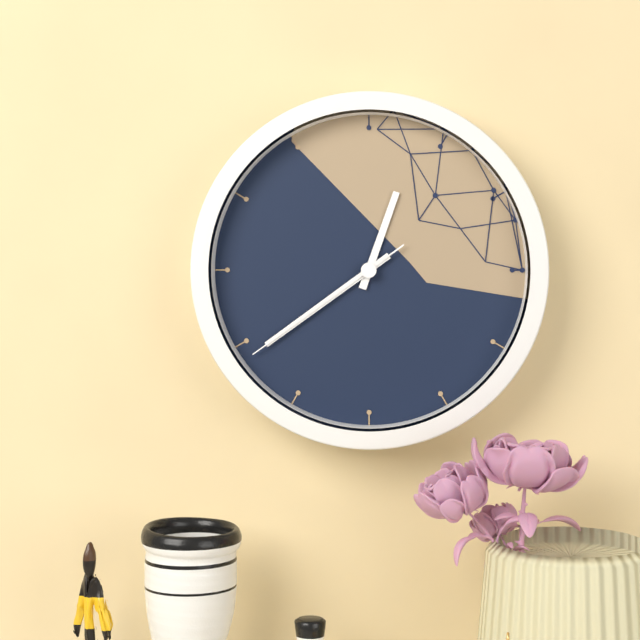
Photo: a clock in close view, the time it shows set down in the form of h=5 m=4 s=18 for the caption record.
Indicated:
h=12 m=39 s=39
